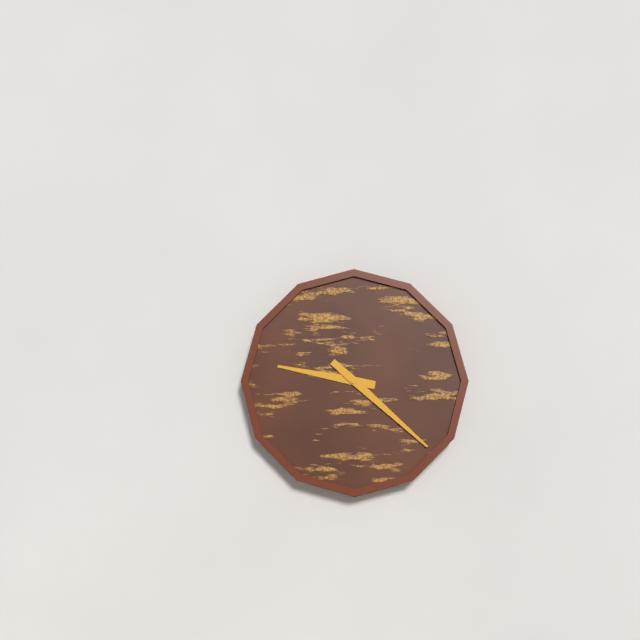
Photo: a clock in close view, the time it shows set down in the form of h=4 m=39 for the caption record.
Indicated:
h=9 m=22
